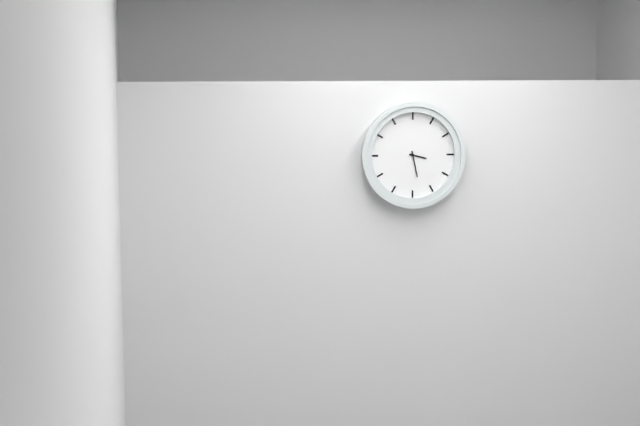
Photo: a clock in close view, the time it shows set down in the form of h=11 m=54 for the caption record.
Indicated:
h=3 m=28
